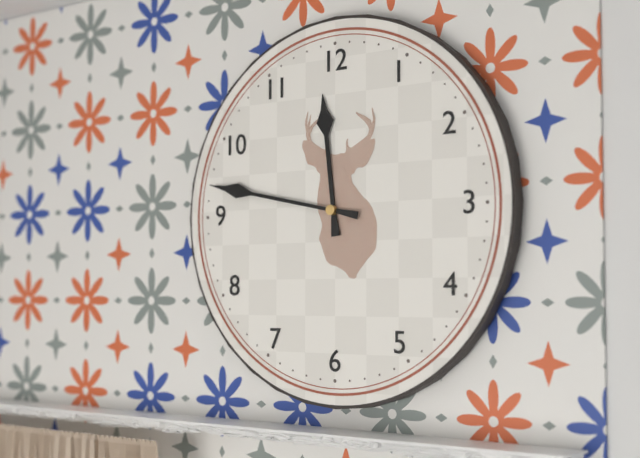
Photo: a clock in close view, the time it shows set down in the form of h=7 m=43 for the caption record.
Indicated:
h=11 m=47
